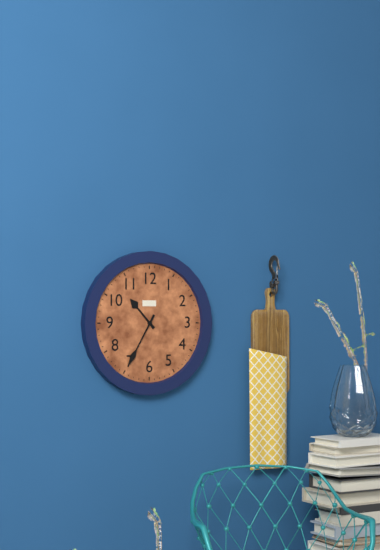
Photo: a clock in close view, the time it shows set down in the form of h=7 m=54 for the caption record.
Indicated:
h=10 m=35
